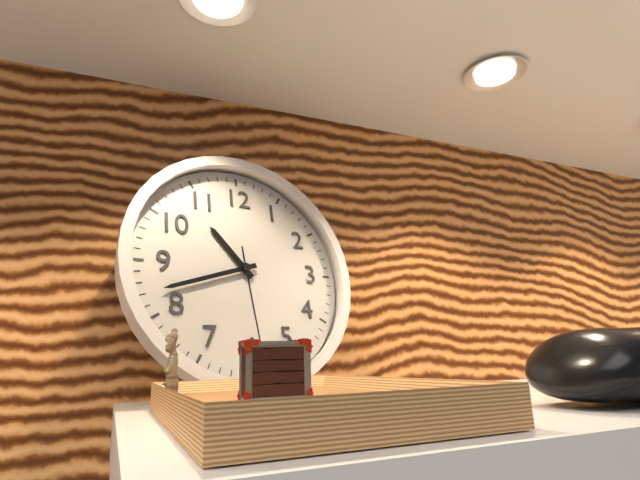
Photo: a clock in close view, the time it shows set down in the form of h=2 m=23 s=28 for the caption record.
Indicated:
h=10 m=42 s=29
